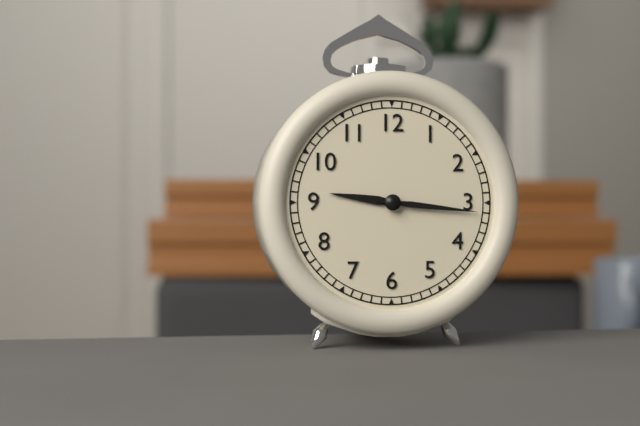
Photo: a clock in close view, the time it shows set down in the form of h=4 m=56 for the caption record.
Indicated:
h=9 m=16
